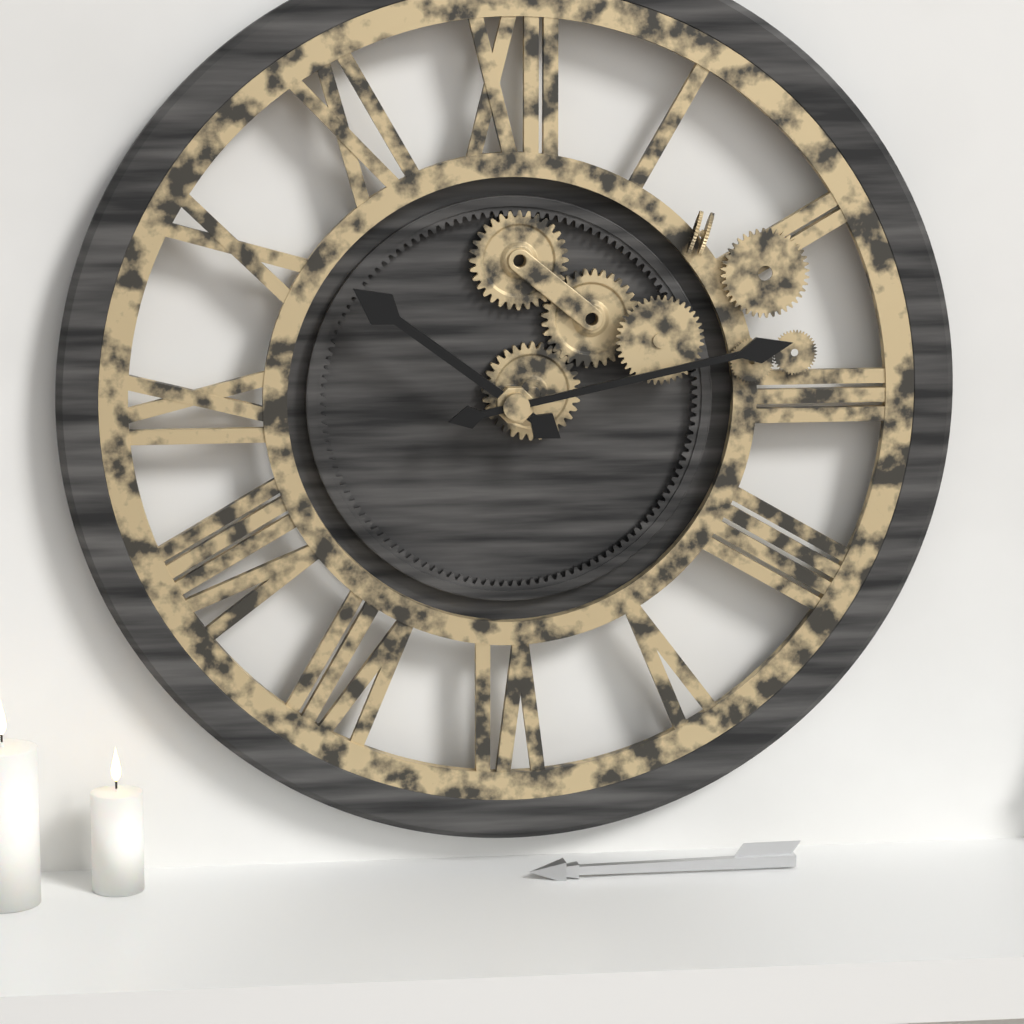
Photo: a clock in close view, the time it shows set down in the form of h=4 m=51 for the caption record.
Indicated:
h=10 m=13
